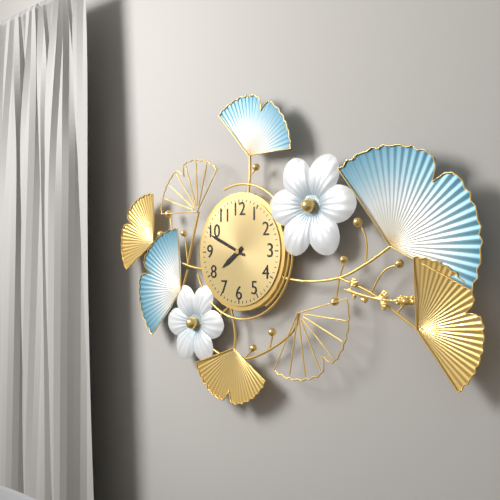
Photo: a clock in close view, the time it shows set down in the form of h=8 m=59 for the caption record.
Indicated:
h=7 m=49
